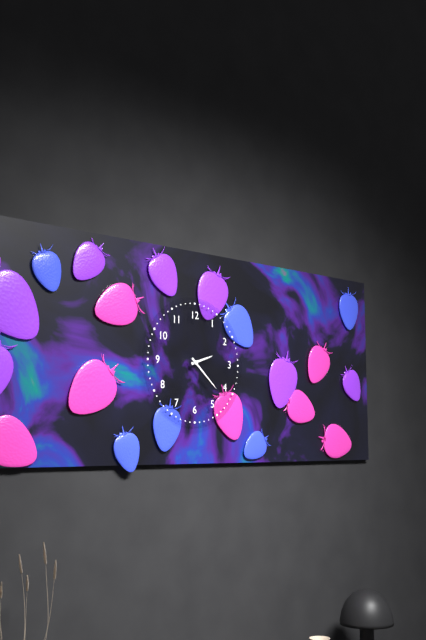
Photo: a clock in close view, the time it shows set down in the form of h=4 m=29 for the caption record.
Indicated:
h=2 m=22
